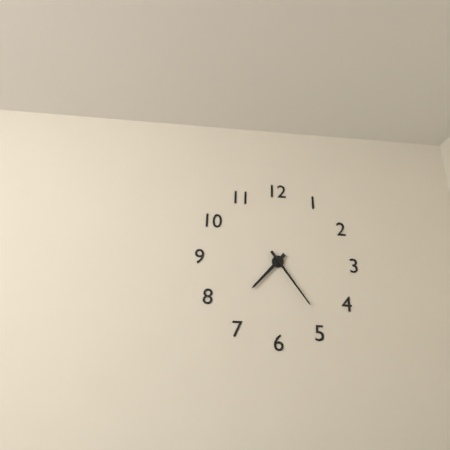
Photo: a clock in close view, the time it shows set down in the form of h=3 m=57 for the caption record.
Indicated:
h=7 m=24
